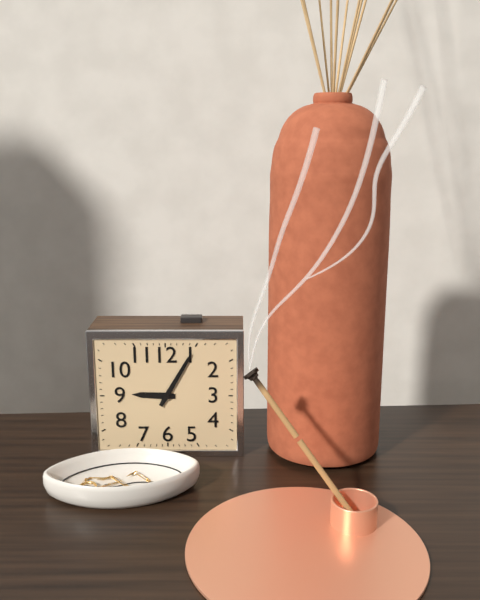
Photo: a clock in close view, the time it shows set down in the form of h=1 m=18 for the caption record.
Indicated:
h=9 m=5
